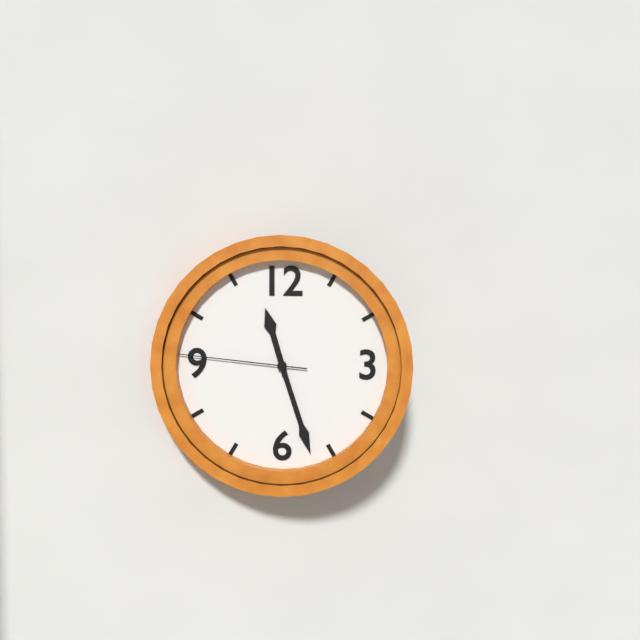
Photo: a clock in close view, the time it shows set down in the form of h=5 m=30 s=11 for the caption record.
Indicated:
h=11 m=27 s=46
